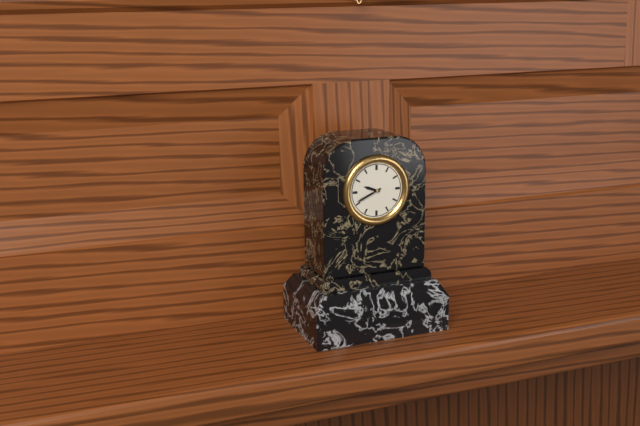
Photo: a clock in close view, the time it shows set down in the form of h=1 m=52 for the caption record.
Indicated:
h=9 m=41
